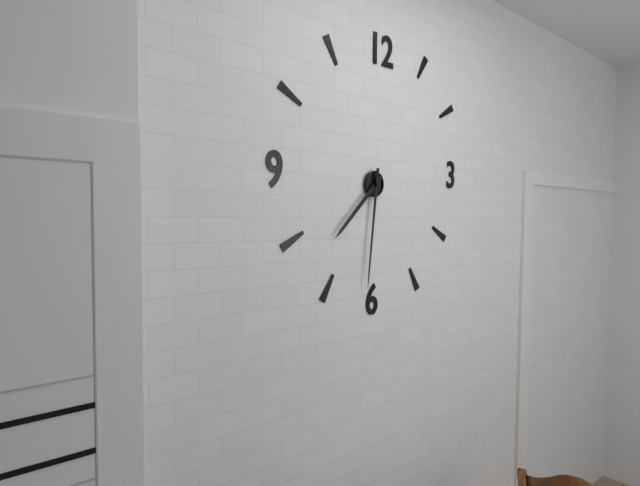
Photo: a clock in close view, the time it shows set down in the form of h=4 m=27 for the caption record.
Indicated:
h=7 m=31
